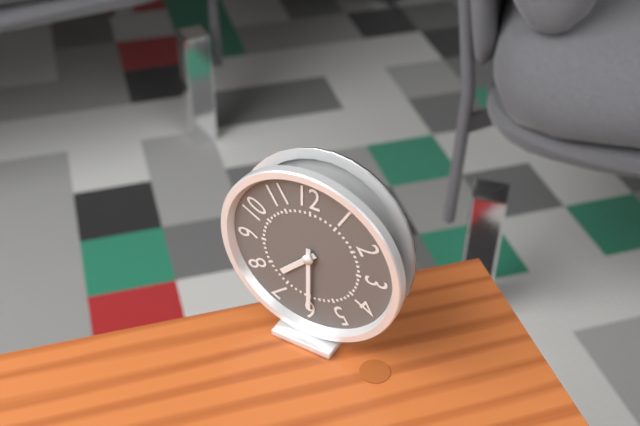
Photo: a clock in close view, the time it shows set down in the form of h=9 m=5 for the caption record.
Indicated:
h=7 m=30
